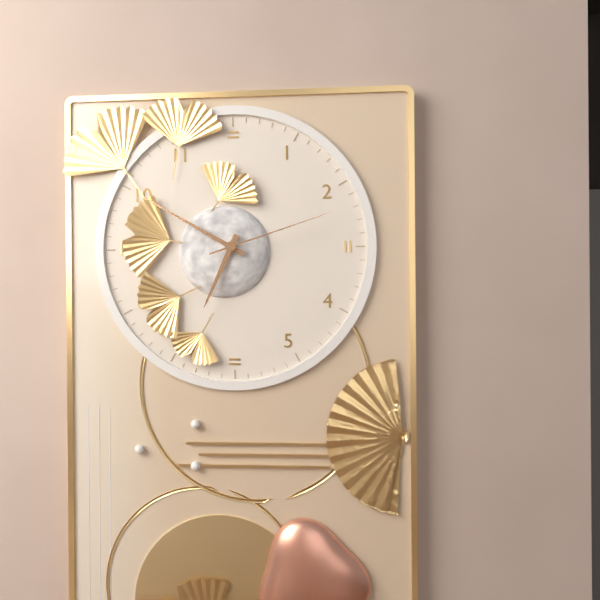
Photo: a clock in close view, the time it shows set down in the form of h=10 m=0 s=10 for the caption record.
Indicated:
h=6 m=50 s=12
